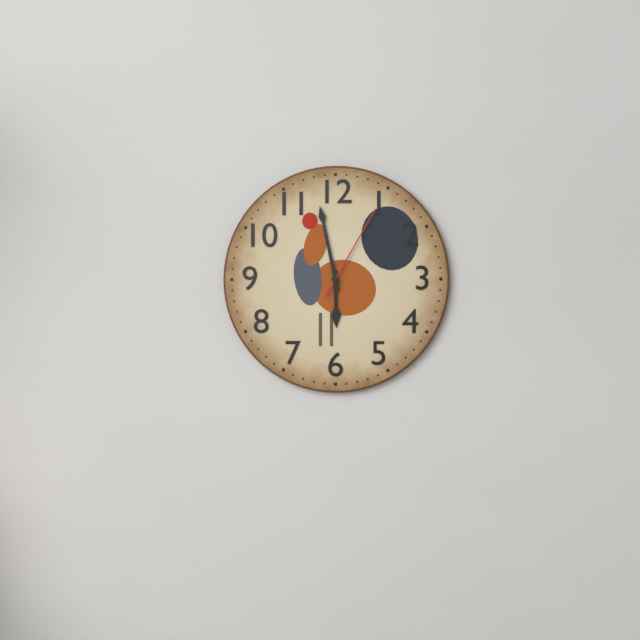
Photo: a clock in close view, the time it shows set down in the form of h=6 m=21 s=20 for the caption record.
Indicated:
h=5 m=58 s=5
